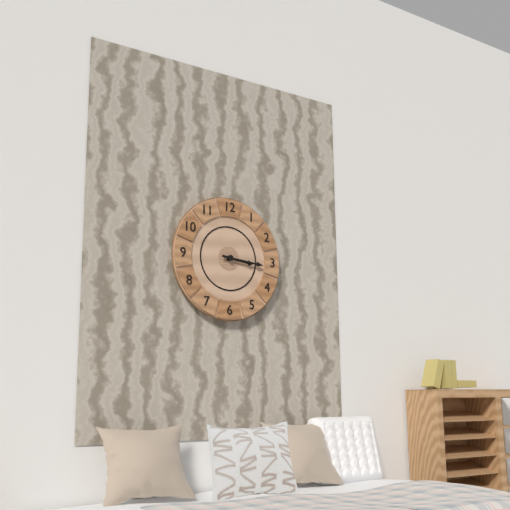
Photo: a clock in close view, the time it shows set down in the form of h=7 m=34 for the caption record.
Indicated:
h=3 m=16
